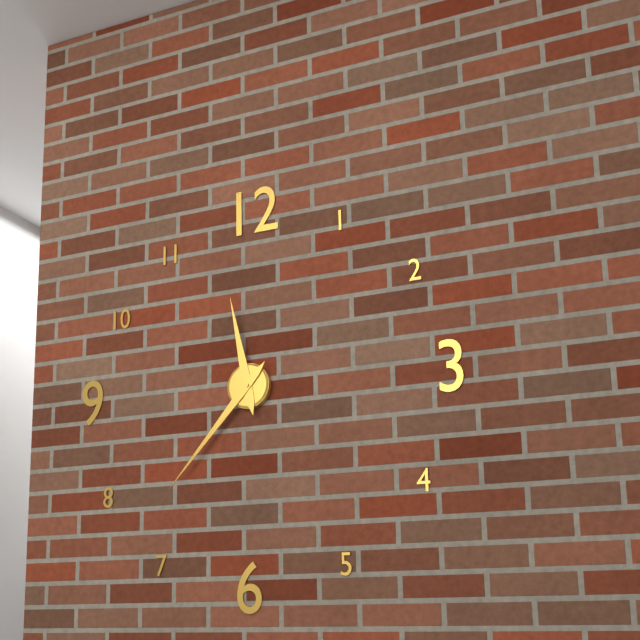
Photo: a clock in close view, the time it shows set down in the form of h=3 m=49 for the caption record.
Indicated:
h=11 m=37
